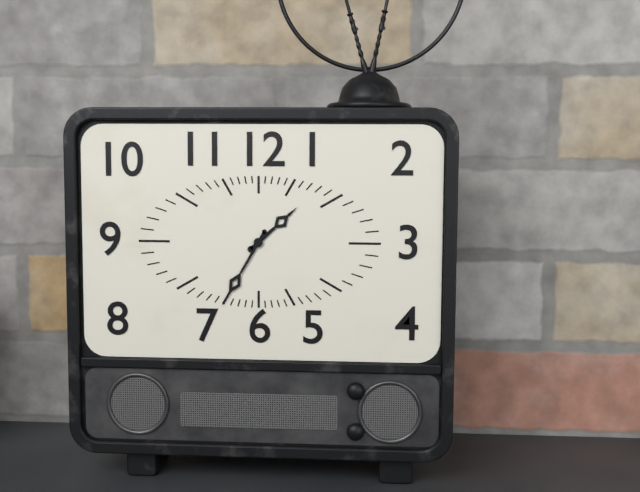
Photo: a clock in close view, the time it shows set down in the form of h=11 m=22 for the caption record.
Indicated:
h=1 m=35
